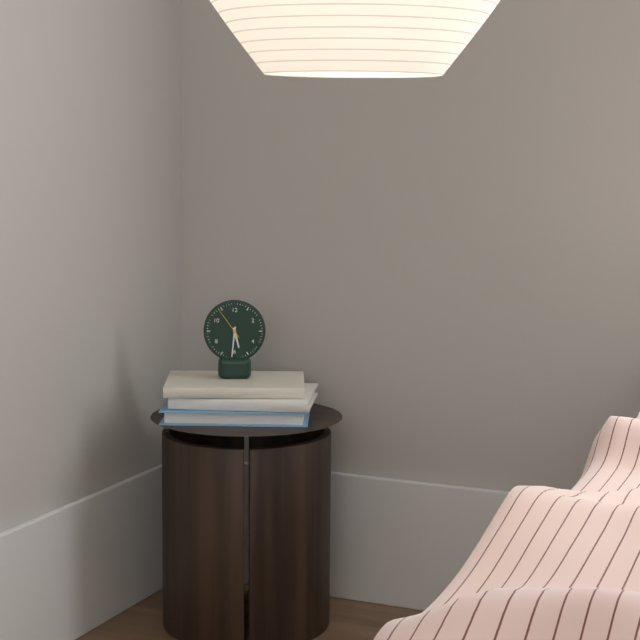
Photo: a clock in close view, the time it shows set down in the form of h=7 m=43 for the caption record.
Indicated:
h=5 m=31
